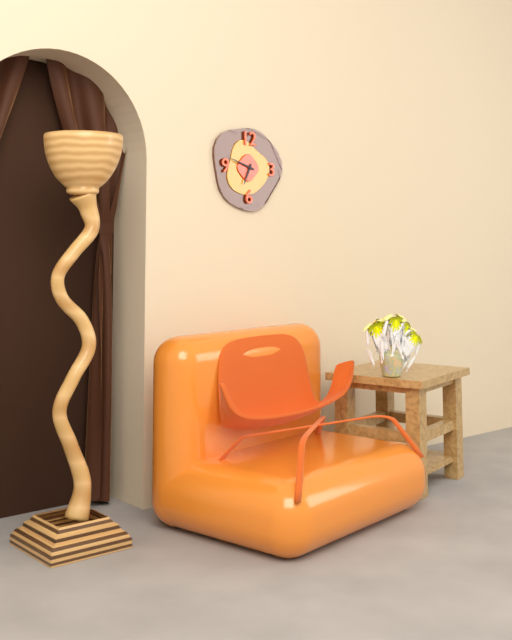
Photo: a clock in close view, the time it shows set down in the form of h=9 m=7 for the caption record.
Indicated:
h=6 m=48
